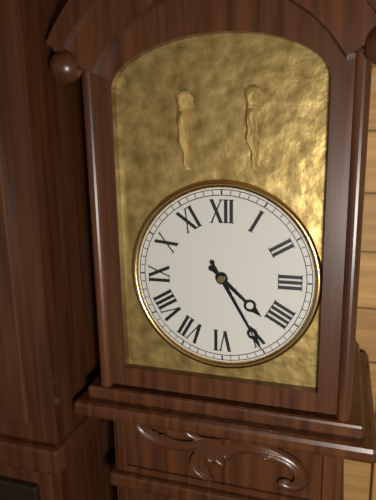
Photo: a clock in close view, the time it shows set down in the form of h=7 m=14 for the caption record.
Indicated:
h=4 m=25
